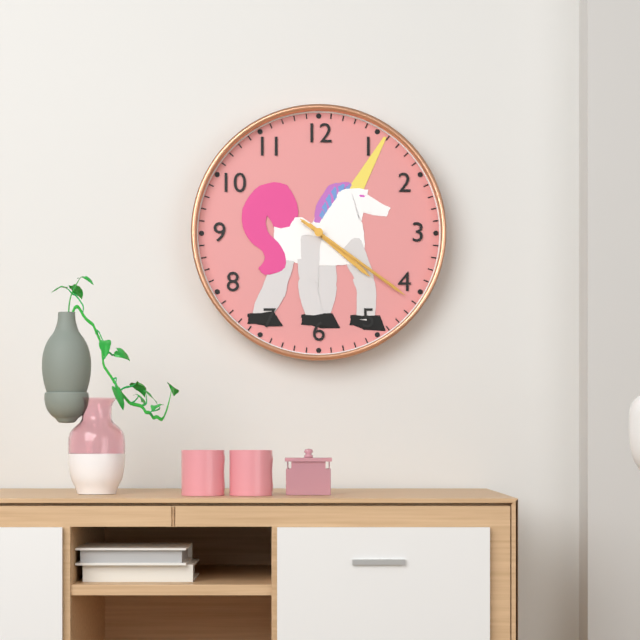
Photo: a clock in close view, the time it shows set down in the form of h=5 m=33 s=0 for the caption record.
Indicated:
h=4 m=21 s=21
